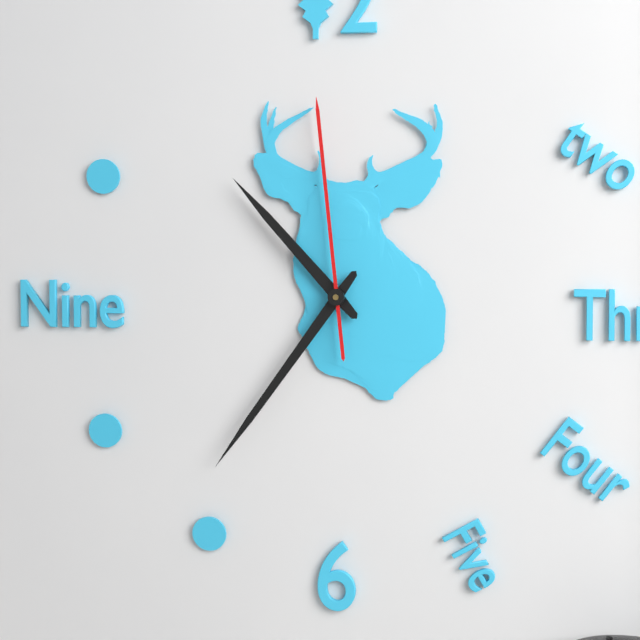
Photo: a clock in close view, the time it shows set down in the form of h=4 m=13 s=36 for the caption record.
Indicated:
h=10 m=36 s=59
